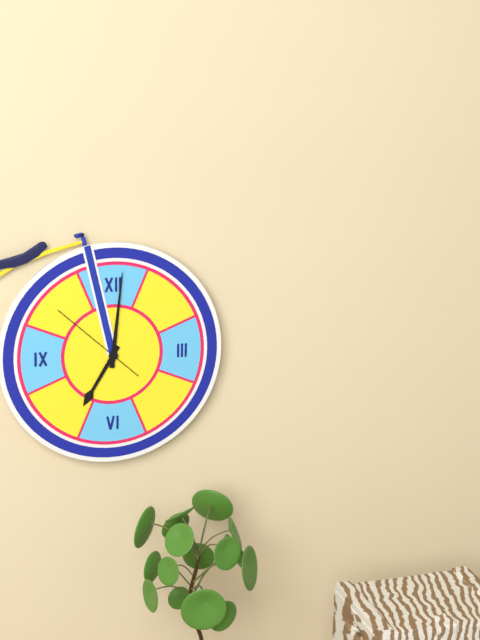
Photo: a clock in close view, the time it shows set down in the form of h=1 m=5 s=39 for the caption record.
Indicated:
h=7 m=1 s=52
